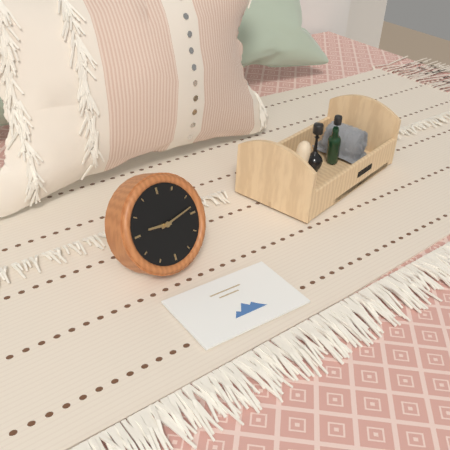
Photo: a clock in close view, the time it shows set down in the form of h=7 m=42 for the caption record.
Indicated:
h=9 m=13
